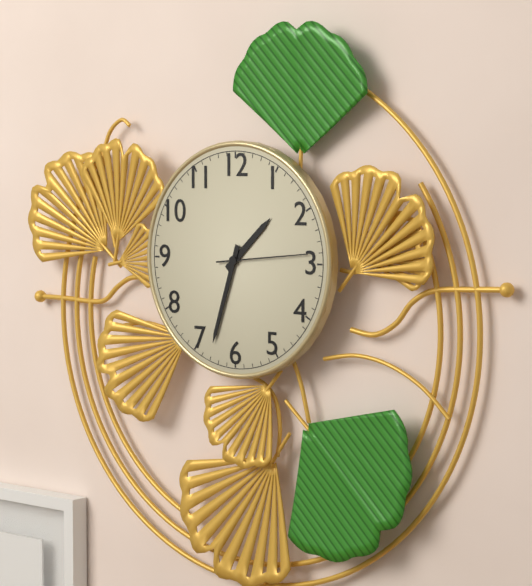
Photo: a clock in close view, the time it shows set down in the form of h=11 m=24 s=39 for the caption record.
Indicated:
h=1 m=33 s=14
